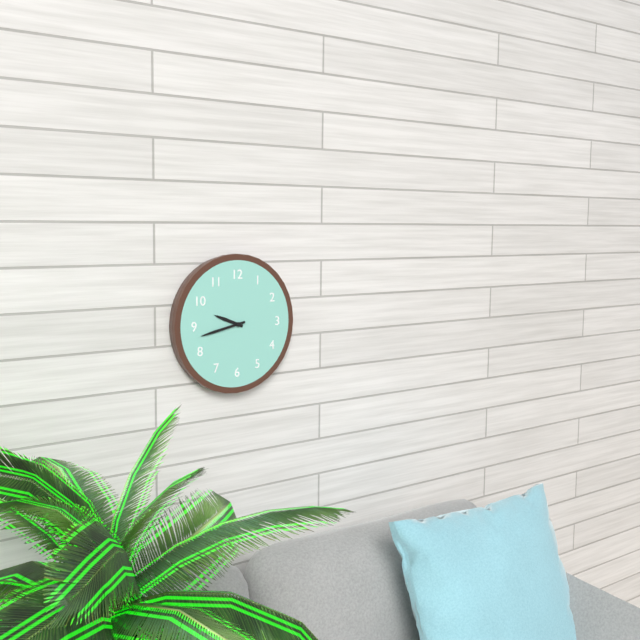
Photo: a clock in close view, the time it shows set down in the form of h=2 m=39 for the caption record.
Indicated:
h=9 m=43
